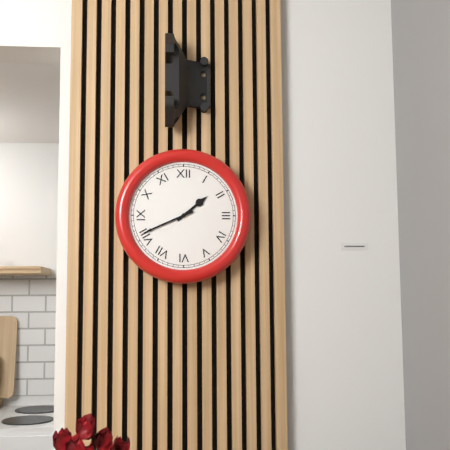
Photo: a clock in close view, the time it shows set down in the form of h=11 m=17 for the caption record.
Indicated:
h=1 m=41
